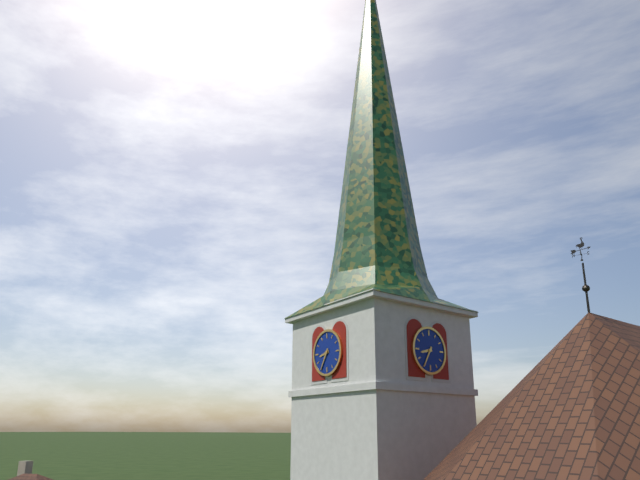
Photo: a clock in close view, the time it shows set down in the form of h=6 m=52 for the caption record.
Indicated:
h=8 m=35
